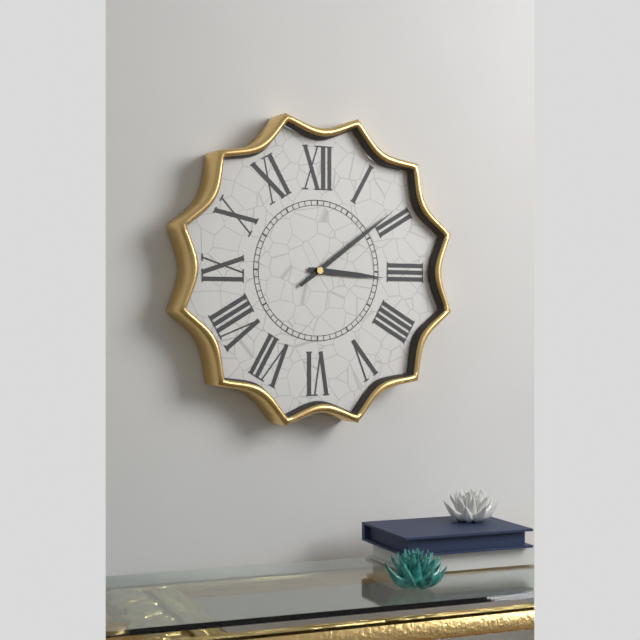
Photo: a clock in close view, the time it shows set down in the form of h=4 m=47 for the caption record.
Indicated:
h=3 m=9
